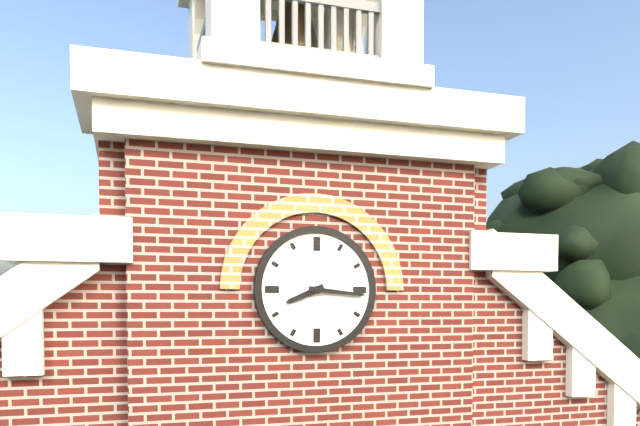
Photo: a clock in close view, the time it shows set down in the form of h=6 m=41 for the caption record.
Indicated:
h=8 m=16
